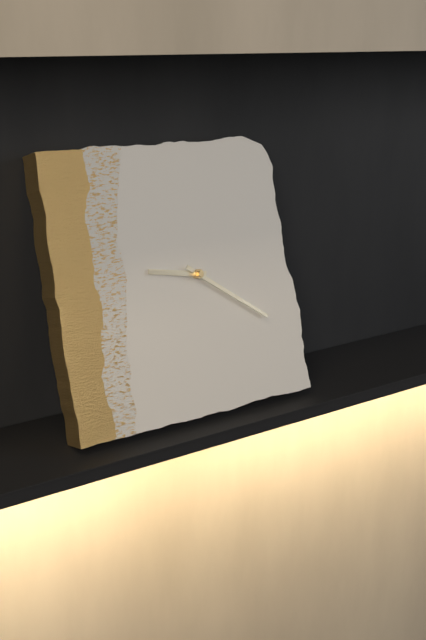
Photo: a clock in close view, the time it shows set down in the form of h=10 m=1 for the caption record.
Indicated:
h=9 m=21
